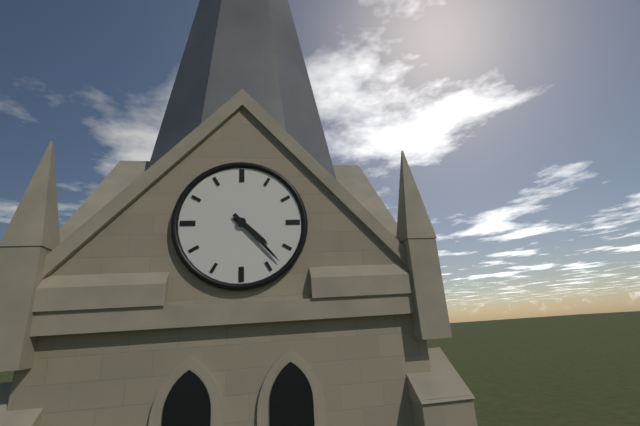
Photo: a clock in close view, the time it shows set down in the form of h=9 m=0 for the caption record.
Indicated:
h=4 m=23
